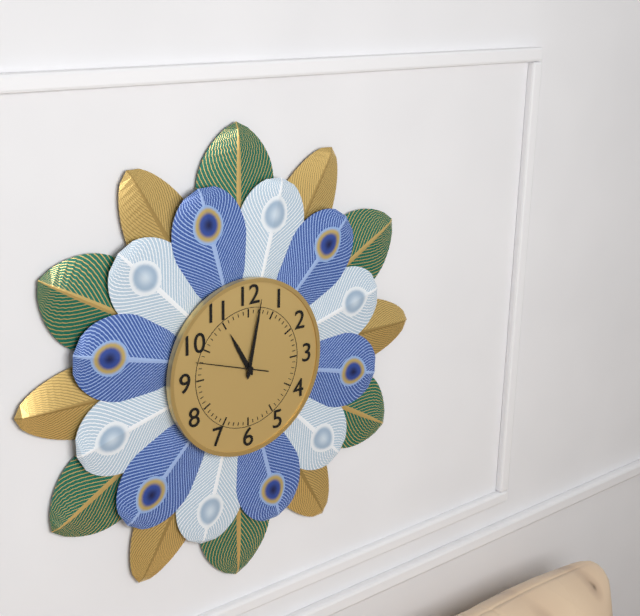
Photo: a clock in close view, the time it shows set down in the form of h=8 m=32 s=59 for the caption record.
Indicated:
h=11 m=2 s=48
